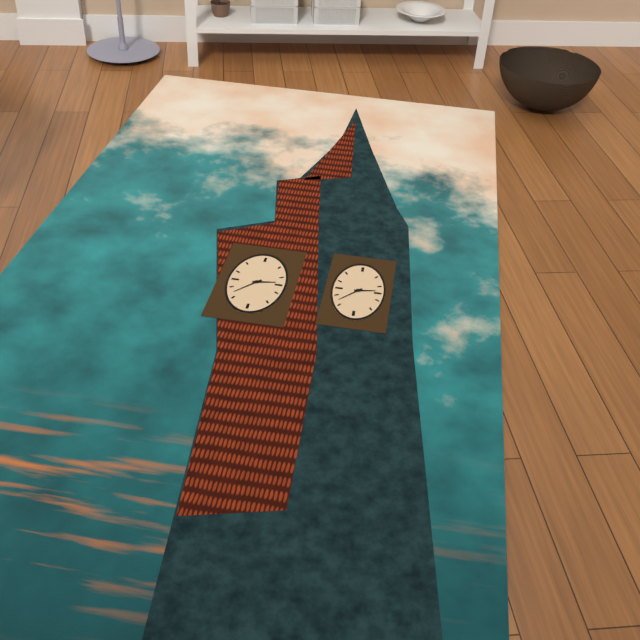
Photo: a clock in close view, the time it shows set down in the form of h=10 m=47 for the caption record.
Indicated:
h=2 m=37
